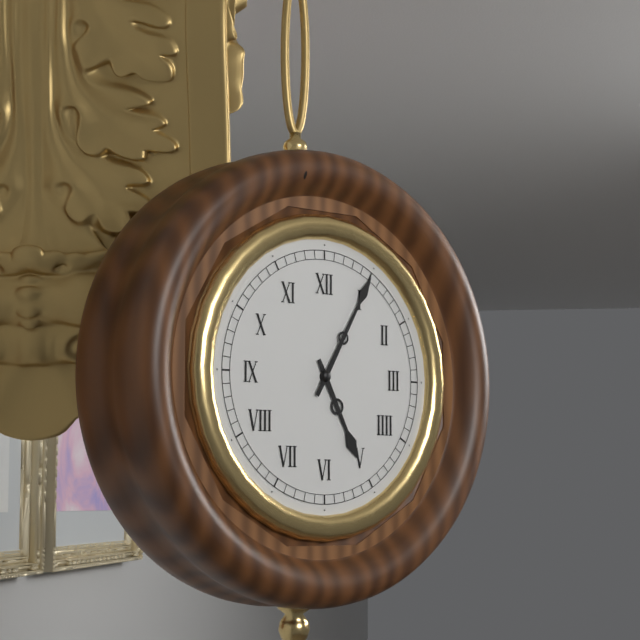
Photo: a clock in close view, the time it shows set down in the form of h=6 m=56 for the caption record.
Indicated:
h=5 m=5
